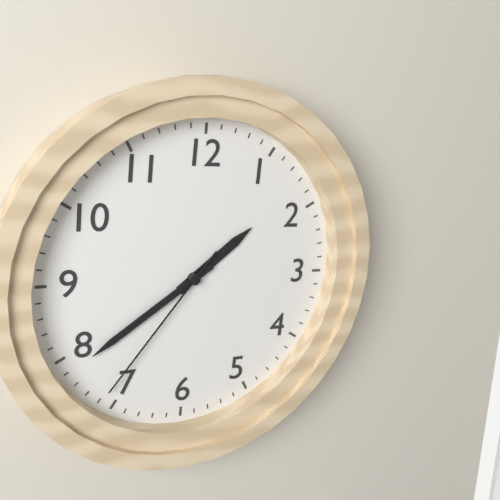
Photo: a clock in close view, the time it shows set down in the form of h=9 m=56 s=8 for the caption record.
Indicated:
h=1 m=39 s=36
